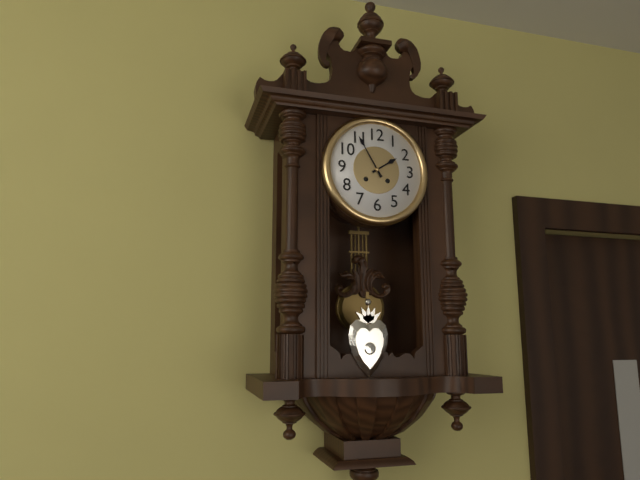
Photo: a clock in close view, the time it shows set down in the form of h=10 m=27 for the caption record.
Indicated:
h=1 m=55
